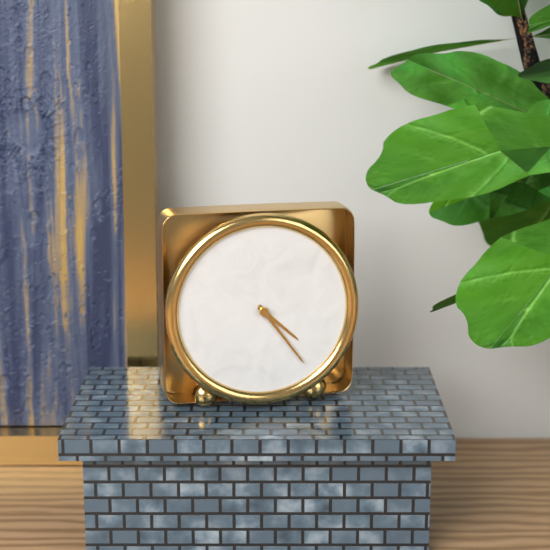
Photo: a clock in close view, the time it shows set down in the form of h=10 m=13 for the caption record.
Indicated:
h=4 m=24
